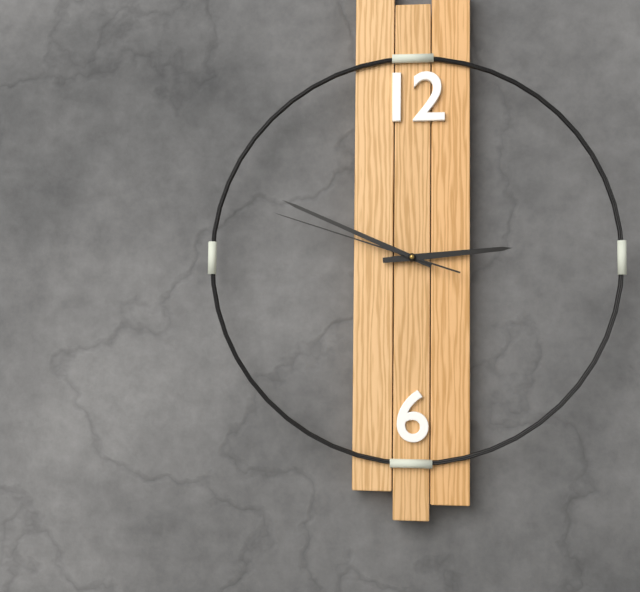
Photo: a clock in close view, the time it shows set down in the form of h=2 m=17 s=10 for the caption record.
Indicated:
h=2 m=49 s=48
